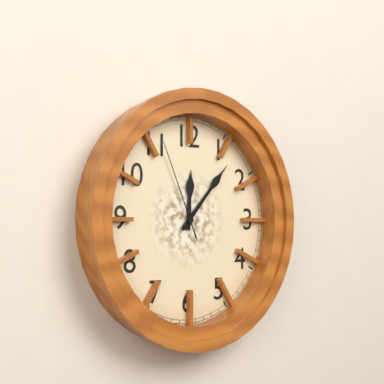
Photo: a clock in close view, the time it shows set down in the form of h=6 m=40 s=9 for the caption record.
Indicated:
h=12 m=7 s=56
